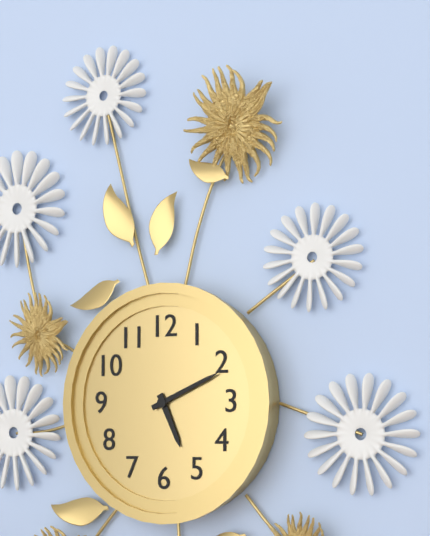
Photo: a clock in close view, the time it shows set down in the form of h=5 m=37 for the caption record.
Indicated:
h=5 m=11
